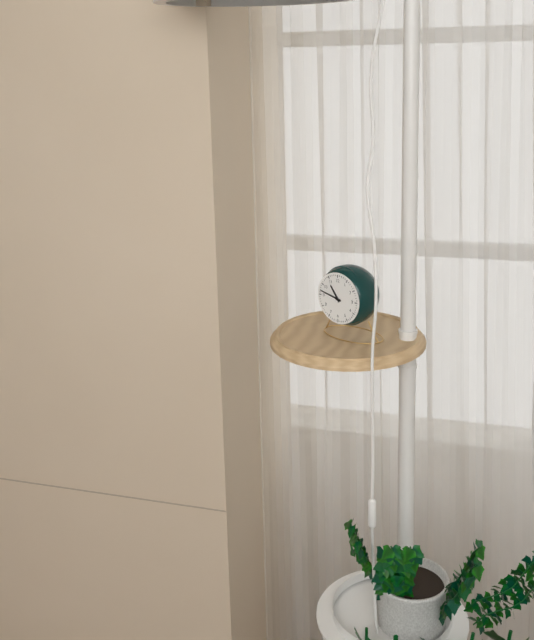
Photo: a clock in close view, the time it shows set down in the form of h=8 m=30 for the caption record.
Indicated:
h=10 m=47
